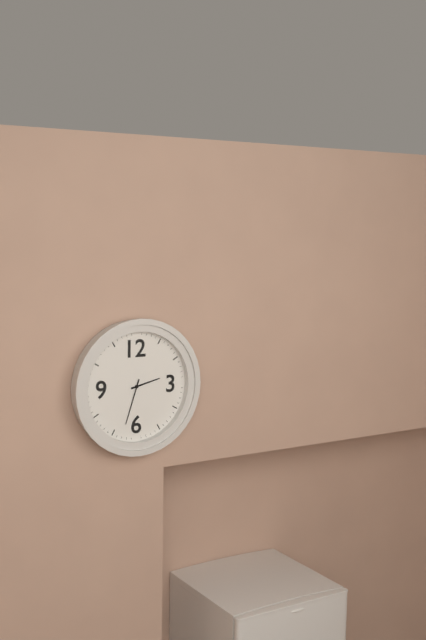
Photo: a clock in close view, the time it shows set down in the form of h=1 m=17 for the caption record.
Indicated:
h=2 m=33
